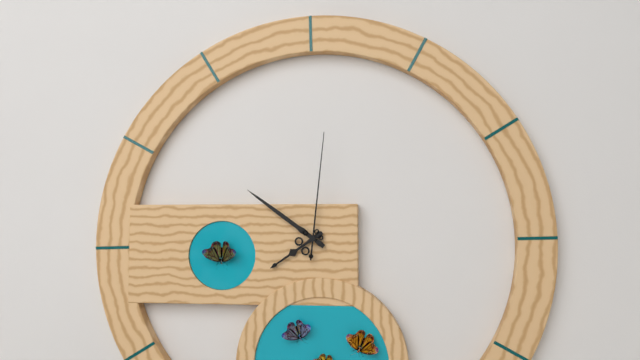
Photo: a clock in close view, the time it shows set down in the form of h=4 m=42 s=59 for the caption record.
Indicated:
h=7 m=51 s=1
